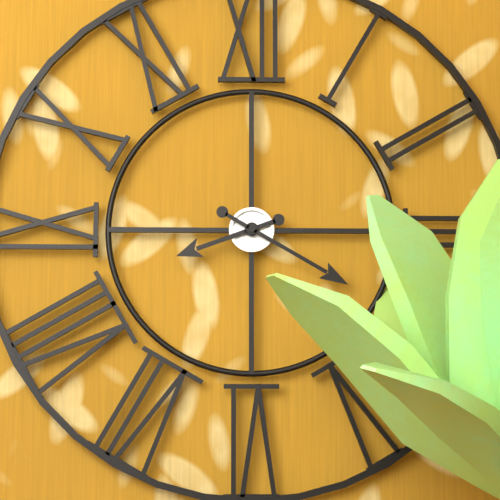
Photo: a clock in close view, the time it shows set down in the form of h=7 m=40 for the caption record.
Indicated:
h=8 m=20
